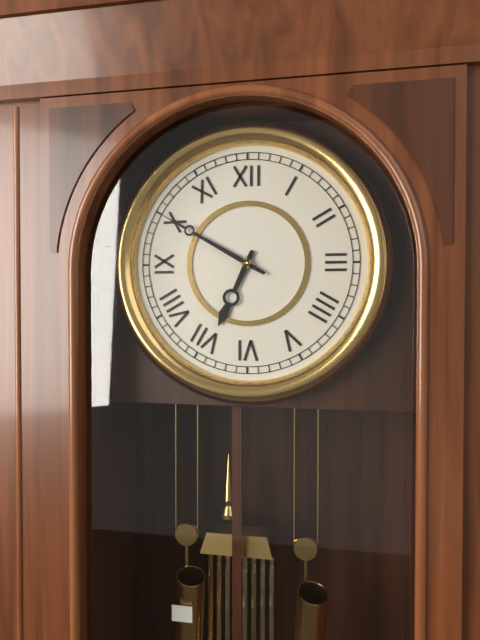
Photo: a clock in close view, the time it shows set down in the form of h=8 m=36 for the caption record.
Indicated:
h=6 m=50
